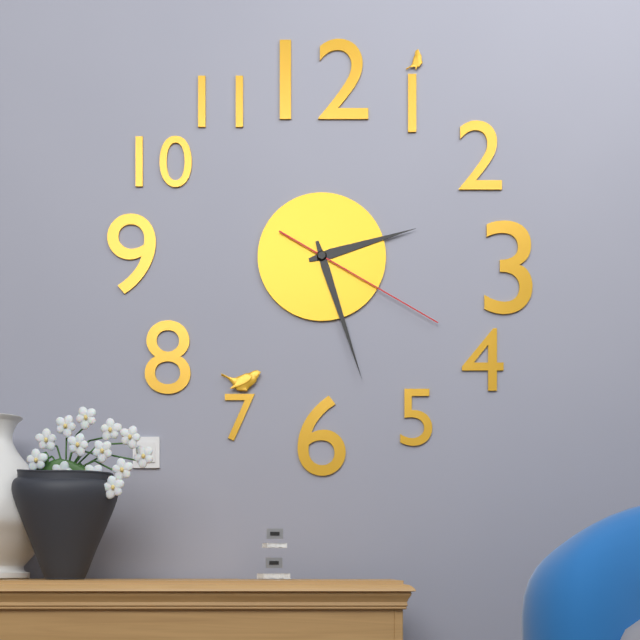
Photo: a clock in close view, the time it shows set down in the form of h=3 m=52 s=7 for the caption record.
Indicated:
h=2 m=27 s=20
